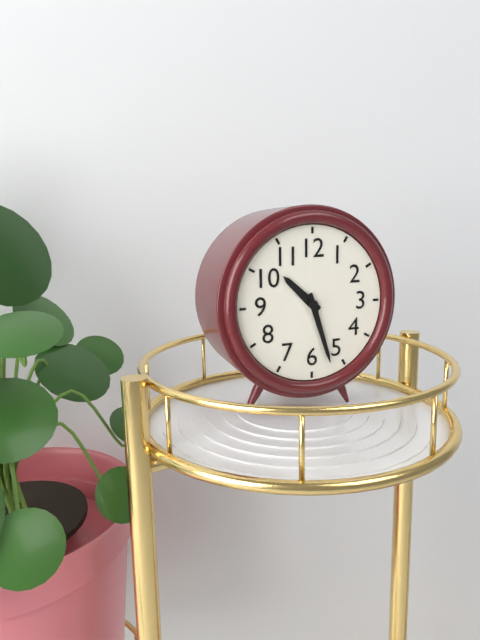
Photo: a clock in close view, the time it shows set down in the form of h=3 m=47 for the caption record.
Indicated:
h=10 m=27
